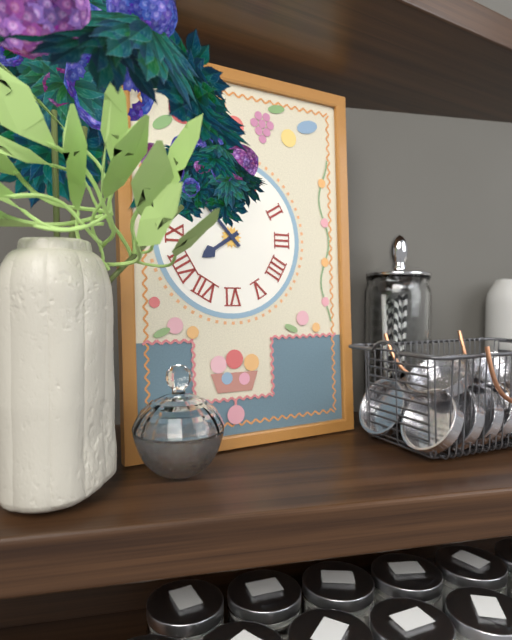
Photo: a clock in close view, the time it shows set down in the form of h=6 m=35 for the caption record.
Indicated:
h=7 m=53
